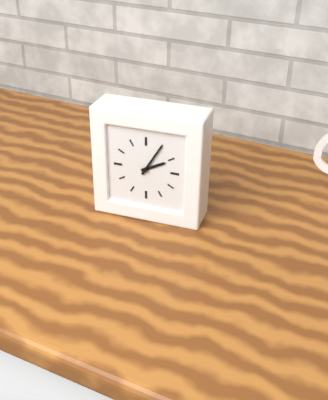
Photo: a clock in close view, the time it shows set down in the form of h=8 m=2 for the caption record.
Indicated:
h=2 m=5
